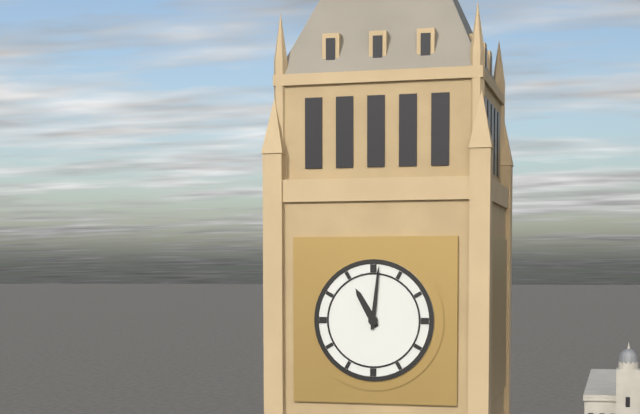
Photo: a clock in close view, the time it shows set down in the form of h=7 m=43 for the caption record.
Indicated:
h=11 m=1
